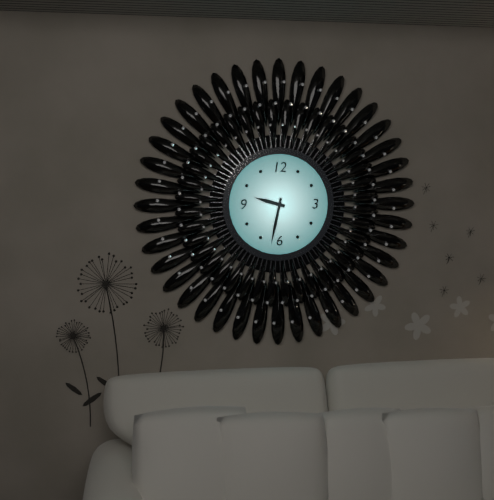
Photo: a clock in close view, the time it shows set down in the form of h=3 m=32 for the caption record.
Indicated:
h=9 m=32
